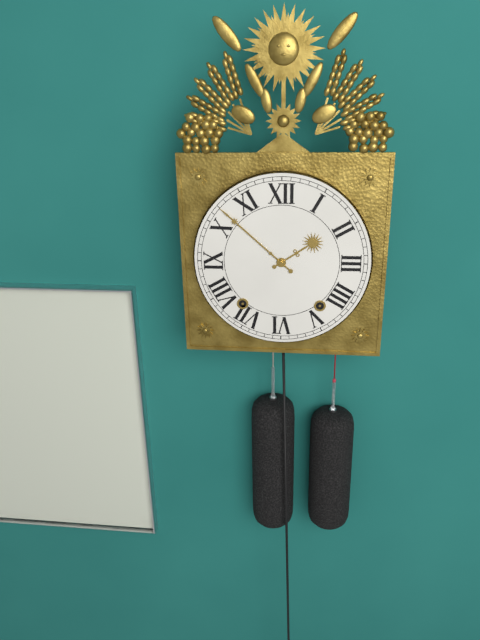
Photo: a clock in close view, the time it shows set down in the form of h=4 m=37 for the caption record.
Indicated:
h=1 m=52
